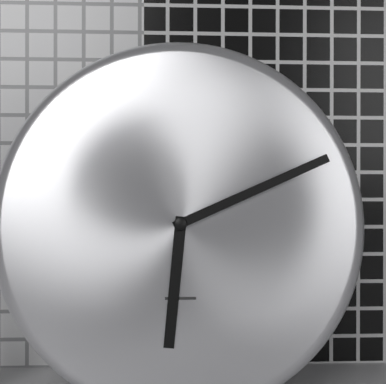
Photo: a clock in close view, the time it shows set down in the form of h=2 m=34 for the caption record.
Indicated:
h=6 m=11
